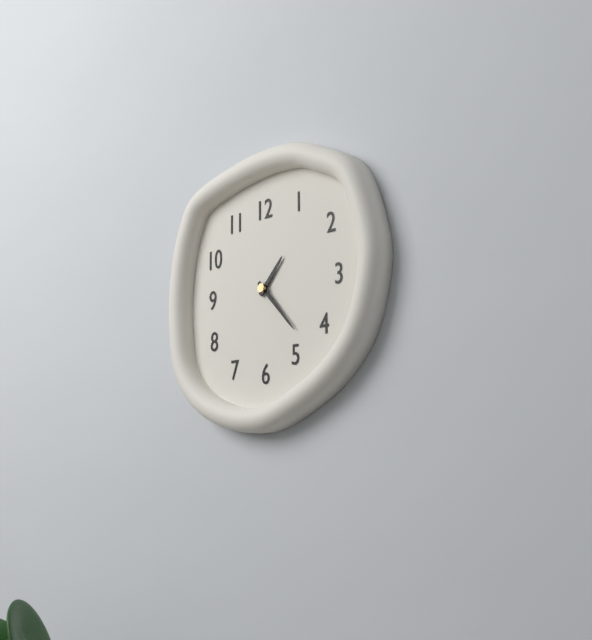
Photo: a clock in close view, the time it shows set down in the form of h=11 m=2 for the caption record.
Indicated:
h=1 m=23
